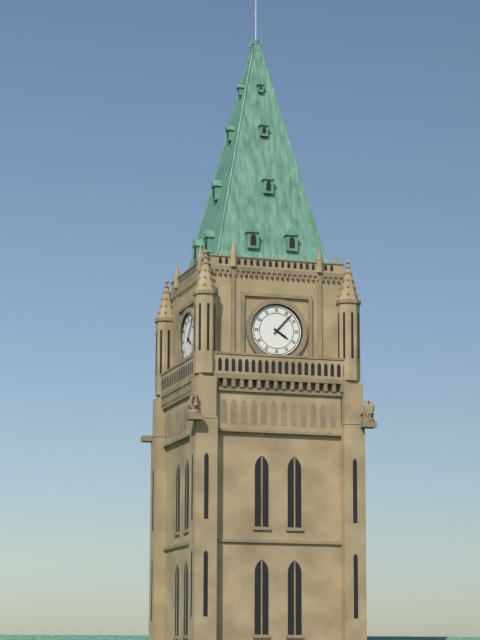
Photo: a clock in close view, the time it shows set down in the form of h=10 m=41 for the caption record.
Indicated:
h=4 m=7
